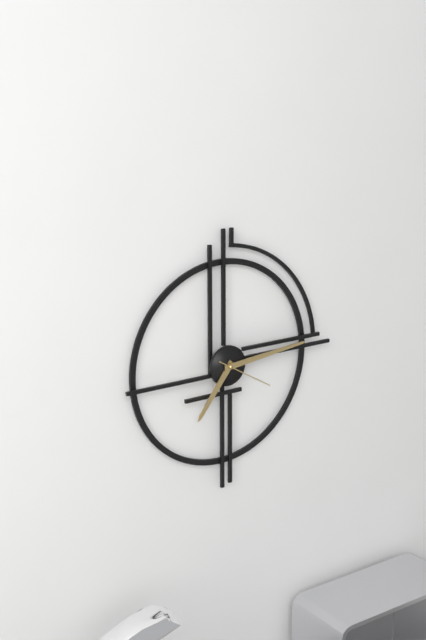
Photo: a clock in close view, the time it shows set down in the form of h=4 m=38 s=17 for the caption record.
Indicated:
h=7 m=14 s=20
